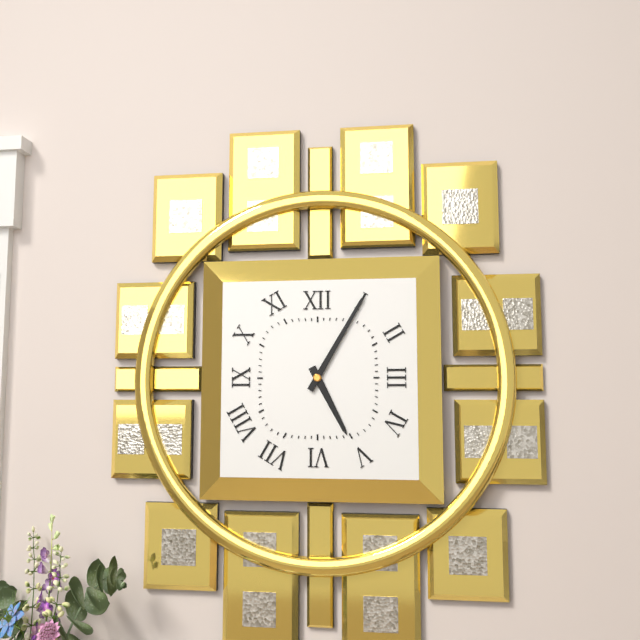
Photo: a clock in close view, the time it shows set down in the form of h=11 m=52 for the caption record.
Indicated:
h=5 m=5
